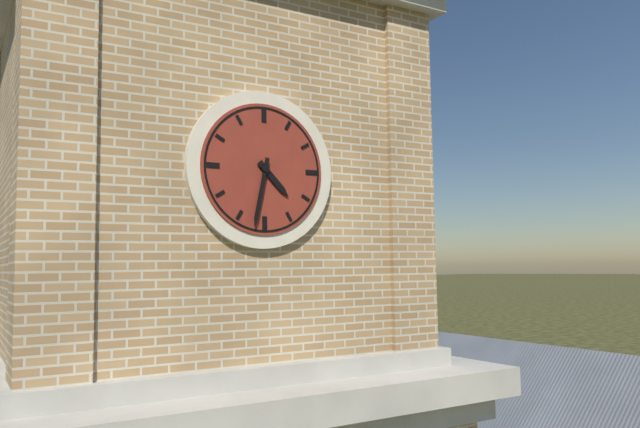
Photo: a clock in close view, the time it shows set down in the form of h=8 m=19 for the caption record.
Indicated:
h=4 m=32
